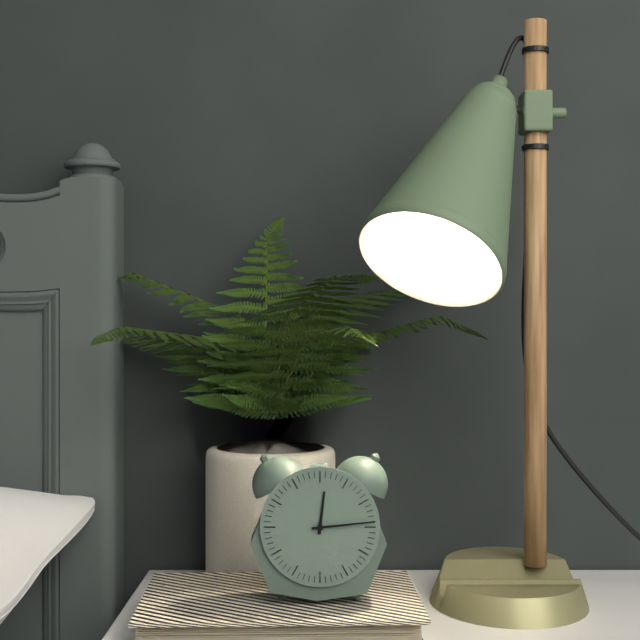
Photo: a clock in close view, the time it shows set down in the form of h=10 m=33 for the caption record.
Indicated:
h=12 m=14
